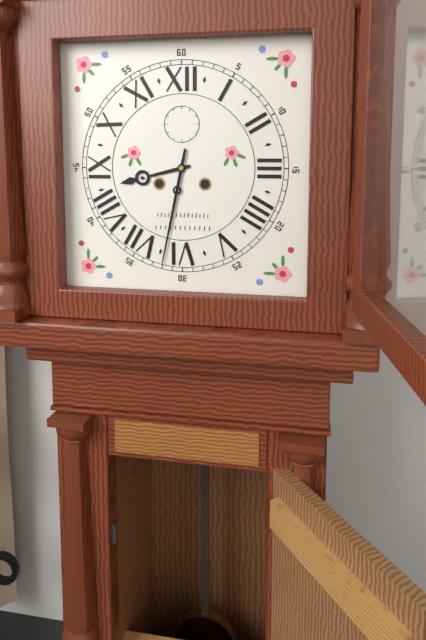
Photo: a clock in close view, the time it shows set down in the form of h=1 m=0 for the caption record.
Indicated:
h=8 m=32
